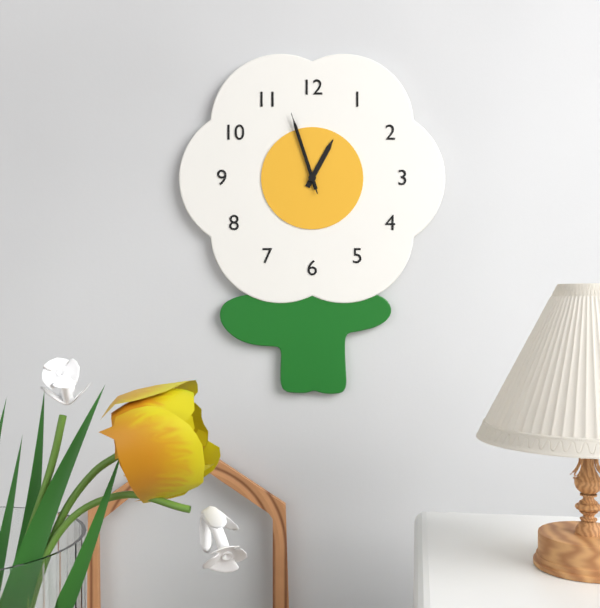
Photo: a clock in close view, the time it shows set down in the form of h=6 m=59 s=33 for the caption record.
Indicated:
h=12 m=57 s=57
